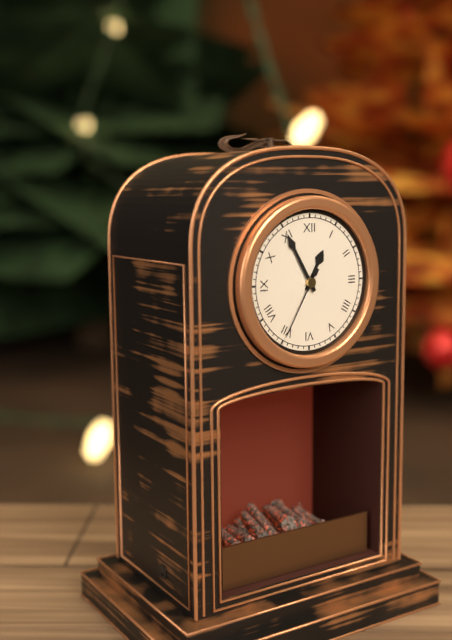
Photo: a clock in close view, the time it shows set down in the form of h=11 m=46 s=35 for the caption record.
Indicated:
h=12 m=55 s=35
